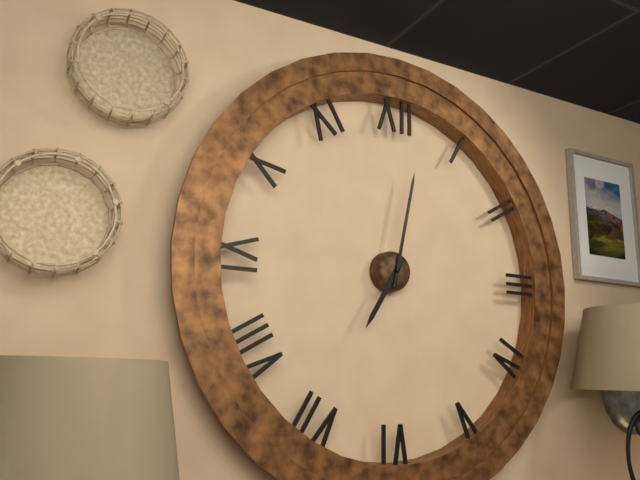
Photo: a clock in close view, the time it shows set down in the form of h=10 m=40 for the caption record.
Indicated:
h=7 m=2
